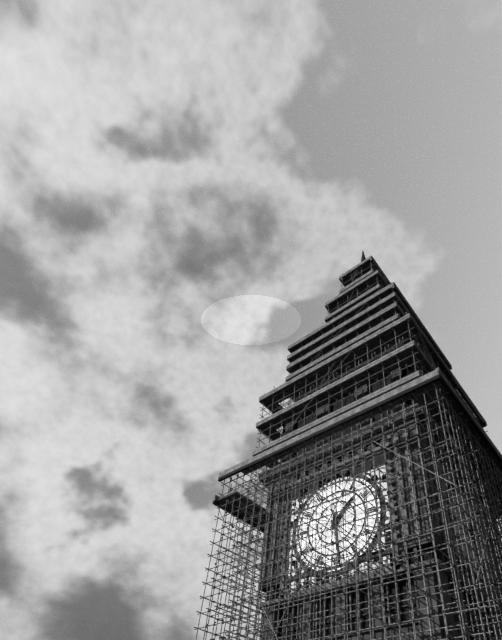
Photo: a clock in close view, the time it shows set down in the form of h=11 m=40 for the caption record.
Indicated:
h=1 m=29
